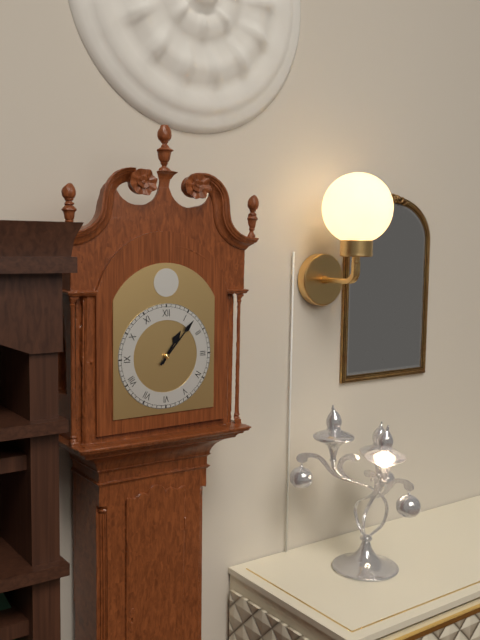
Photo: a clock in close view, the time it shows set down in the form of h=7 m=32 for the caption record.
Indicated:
h=1 m=7
